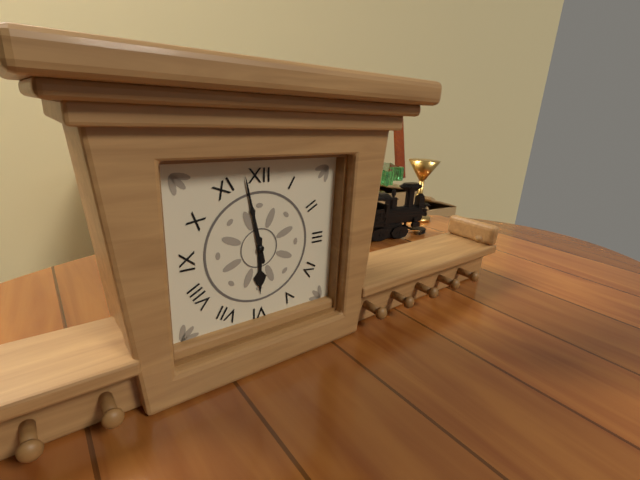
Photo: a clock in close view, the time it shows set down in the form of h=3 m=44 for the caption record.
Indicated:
h=5 m=58
